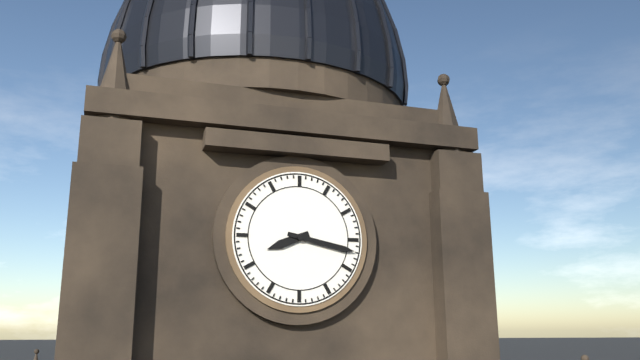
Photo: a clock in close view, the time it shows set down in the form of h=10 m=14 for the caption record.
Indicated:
h=8 m=17
